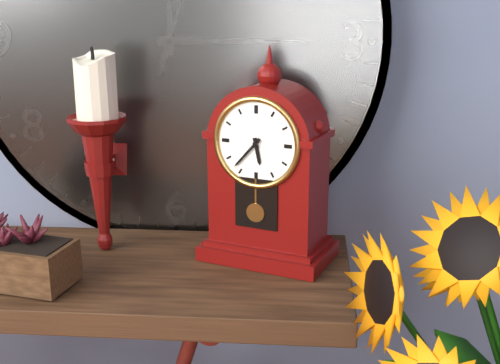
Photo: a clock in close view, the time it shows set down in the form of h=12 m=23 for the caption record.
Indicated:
h=5 m=37
